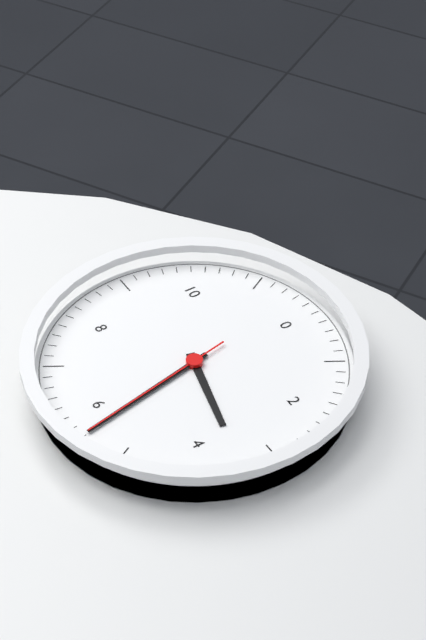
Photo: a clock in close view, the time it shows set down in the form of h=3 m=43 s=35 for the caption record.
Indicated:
h=3 m=28 s=28
